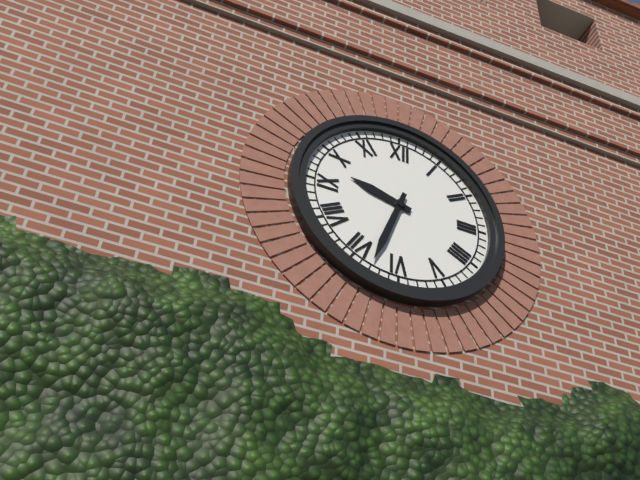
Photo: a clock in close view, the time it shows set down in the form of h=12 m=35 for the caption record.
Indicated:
h=9 m=33
